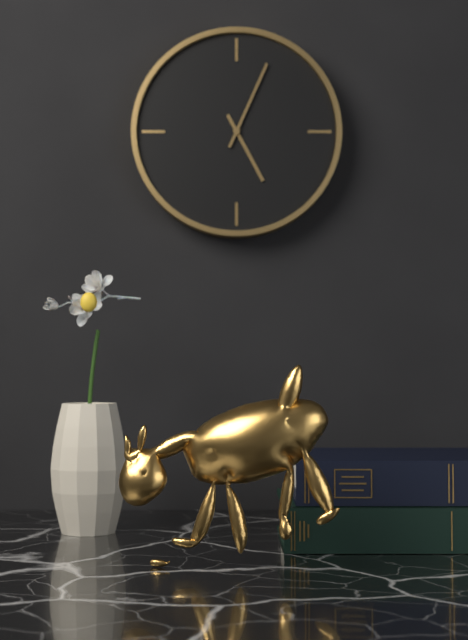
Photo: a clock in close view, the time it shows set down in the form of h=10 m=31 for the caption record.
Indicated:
h=5 m=4
